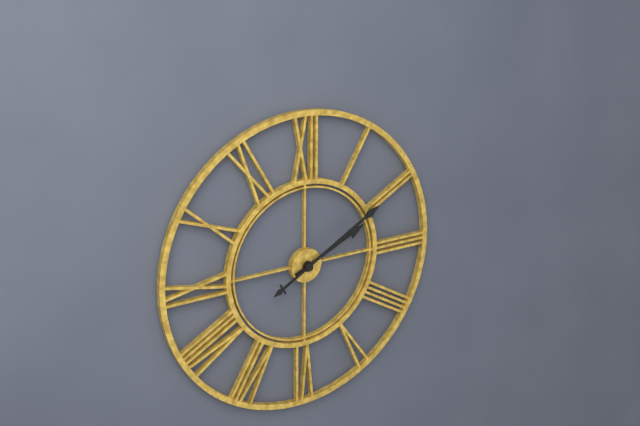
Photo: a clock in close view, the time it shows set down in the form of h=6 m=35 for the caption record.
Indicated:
h=2 m=10
